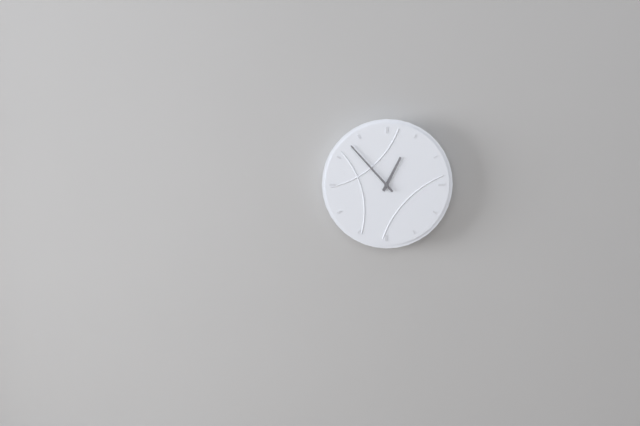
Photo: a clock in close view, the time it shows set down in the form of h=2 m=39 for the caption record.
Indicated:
h=12 m=53
